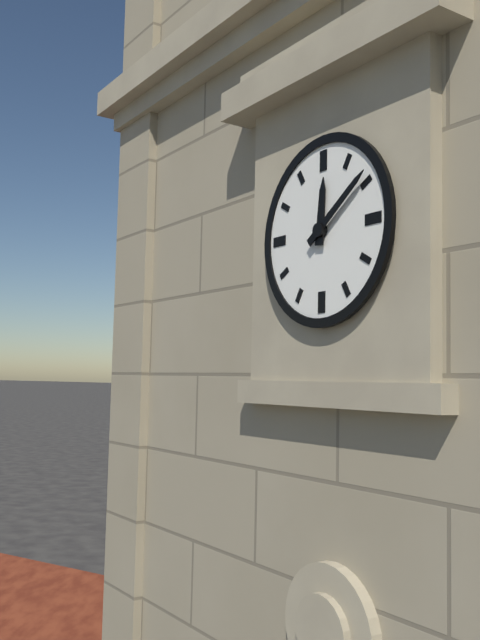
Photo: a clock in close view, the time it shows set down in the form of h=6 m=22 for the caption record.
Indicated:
h=12 m=9
